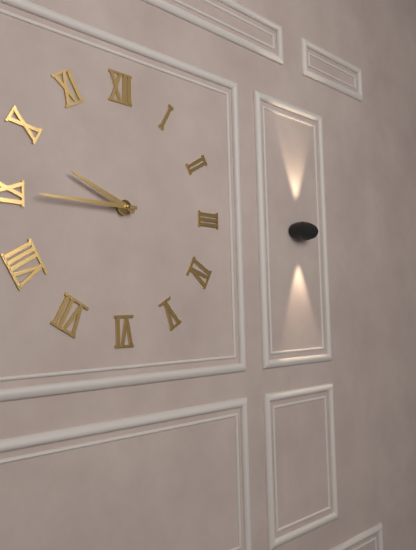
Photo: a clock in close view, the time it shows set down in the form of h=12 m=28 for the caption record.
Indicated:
h=9 m=45
